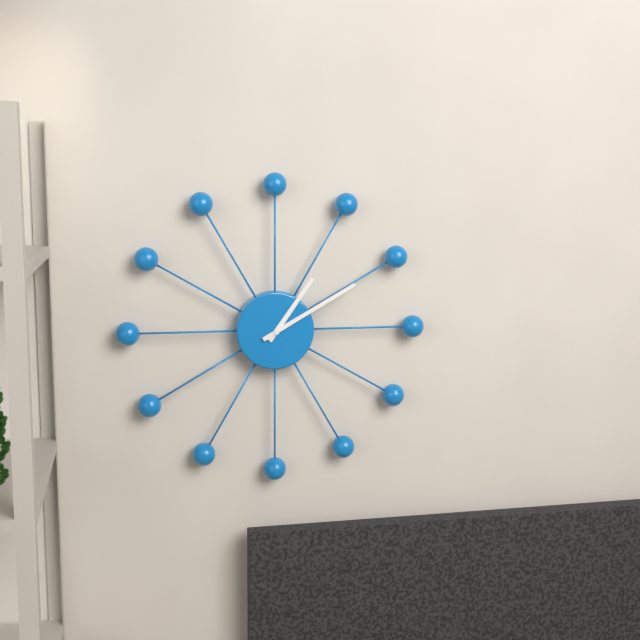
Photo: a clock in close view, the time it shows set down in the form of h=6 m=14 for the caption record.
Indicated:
h=1 m=10
